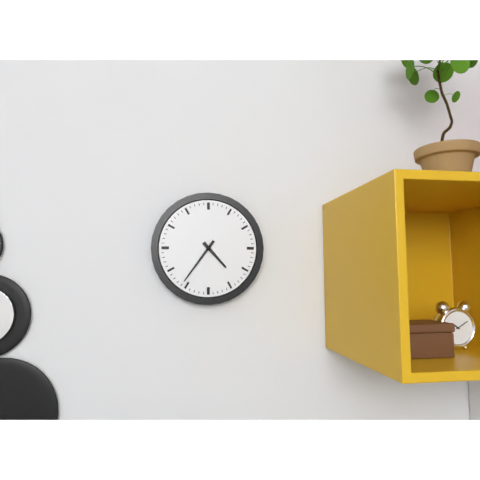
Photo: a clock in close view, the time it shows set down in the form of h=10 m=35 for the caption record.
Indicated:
h=4 m=36
